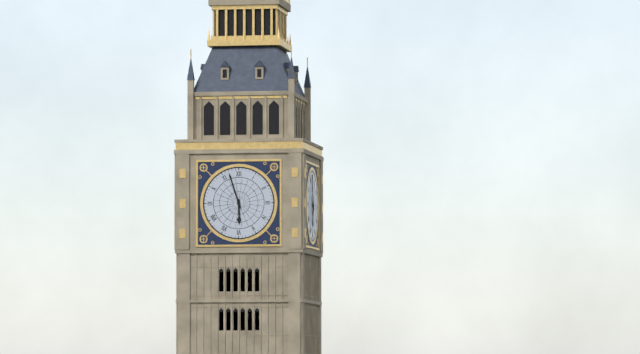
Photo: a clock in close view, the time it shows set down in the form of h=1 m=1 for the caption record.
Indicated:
h=5 m=57
